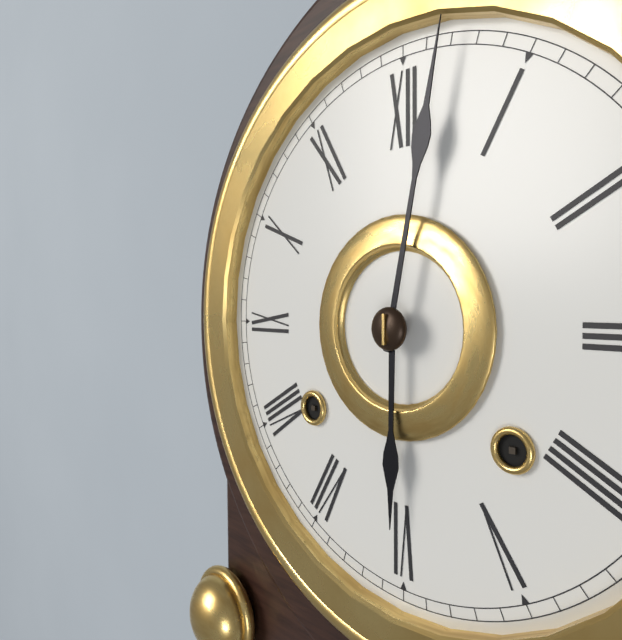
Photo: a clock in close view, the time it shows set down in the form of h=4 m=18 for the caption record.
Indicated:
h=6 m=2
